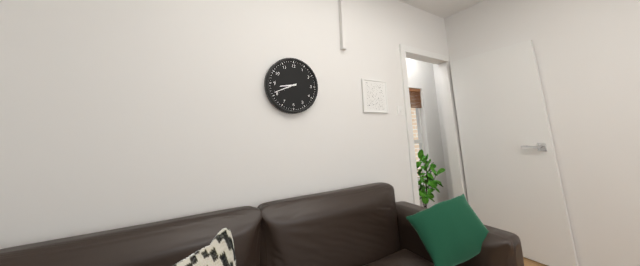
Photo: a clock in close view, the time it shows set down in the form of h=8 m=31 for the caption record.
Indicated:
h=8 m=41
